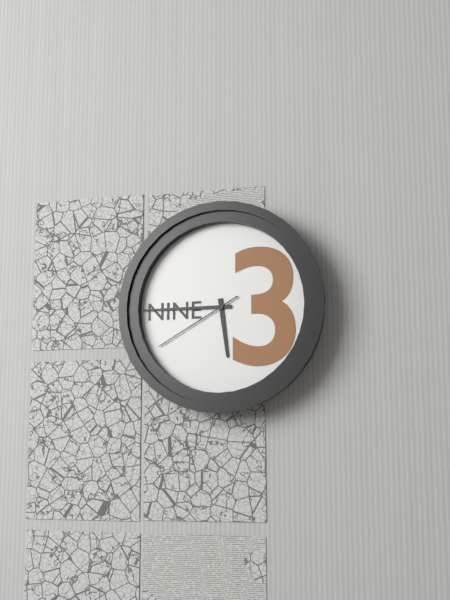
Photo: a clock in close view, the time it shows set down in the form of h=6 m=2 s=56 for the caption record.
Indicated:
h=5 m=45 s=40
